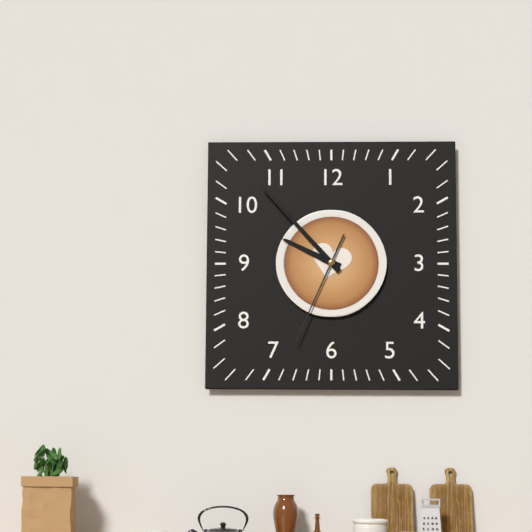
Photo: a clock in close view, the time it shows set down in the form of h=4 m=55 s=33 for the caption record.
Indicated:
h=9 m=53 s=34
